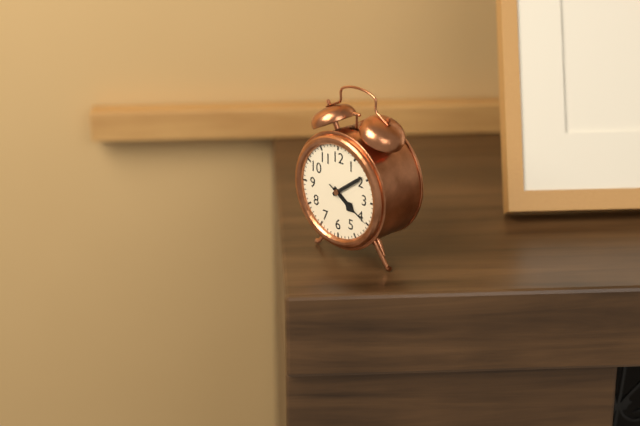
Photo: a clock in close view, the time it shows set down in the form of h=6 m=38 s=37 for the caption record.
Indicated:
h=4 m=9 s=20
